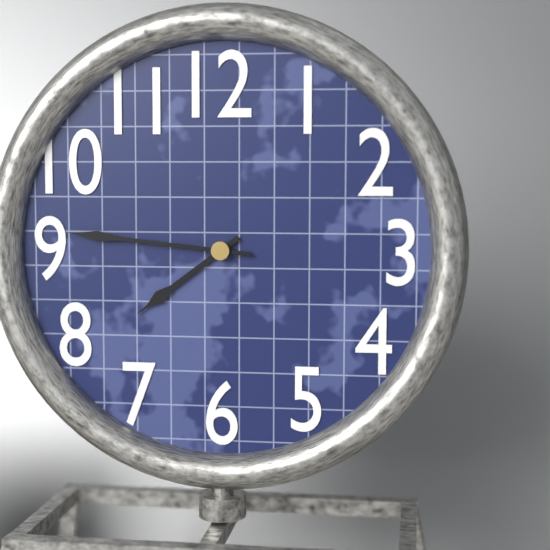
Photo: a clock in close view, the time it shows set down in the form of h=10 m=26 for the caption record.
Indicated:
h=7 m=46
